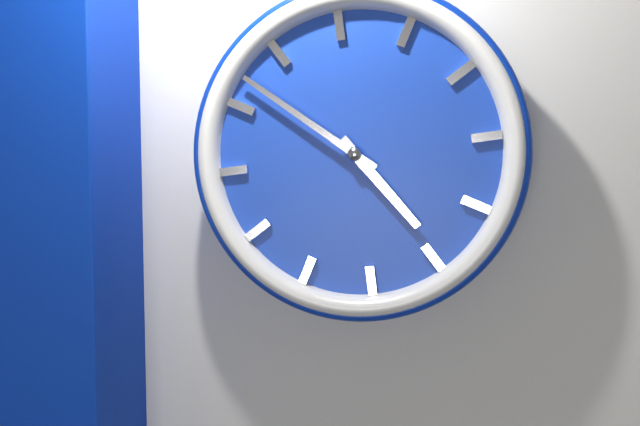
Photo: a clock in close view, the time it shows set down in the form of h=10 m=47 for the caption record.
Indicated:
h=4 m=52
